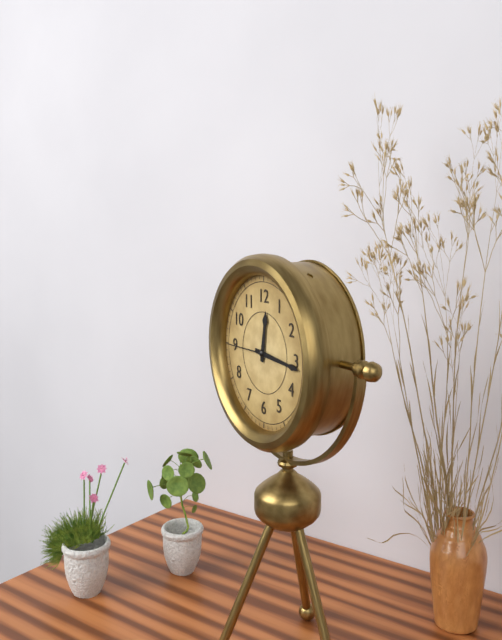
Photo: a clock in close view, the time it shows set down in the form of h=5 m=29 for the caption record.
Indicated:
h=12 m=16
